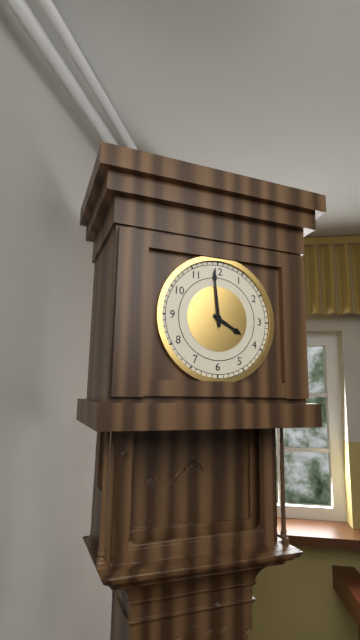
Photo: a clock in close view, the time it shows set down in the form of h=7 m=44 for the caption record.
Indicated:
h=3 m=59
